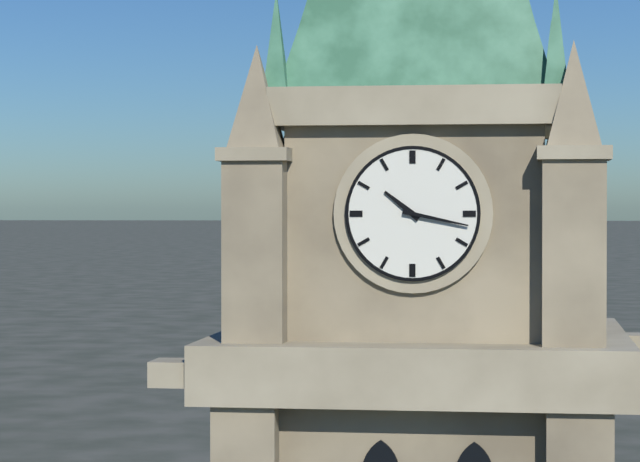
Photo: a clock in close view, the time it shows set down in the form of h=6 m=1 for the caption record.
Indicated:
h=10 m=17
